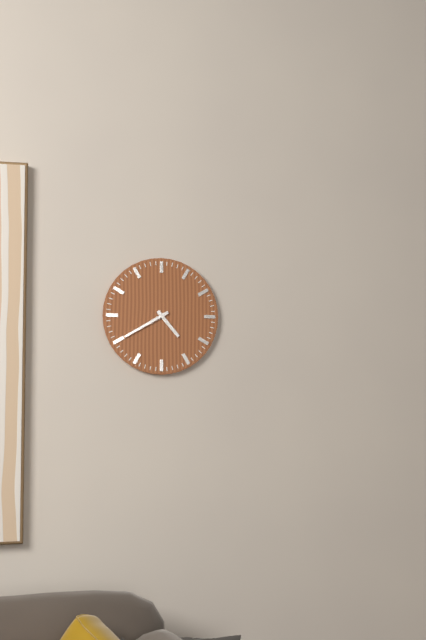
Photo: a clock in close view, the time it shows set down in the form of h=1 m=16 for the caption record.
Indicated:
h=4 m=40
